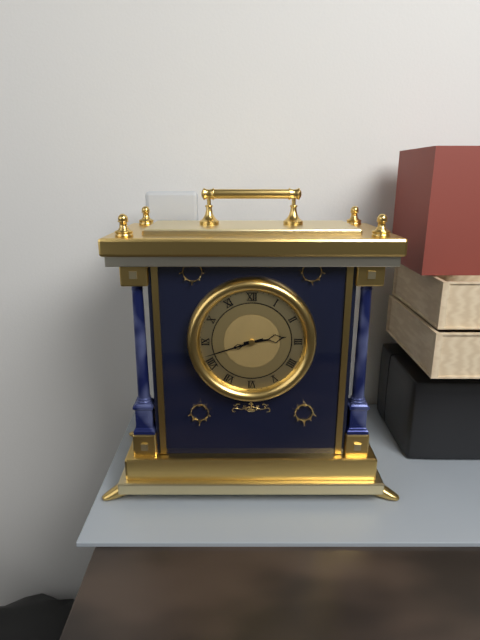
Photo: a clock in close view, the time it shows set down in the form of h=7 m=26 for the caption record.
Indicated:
h=2 m=42
